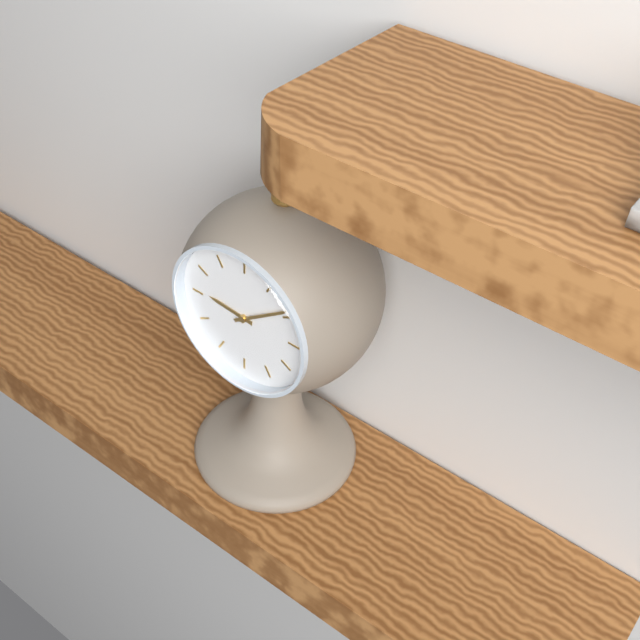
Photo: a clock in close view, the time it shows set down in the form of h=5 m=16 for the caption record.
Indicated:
h=9 m=9
